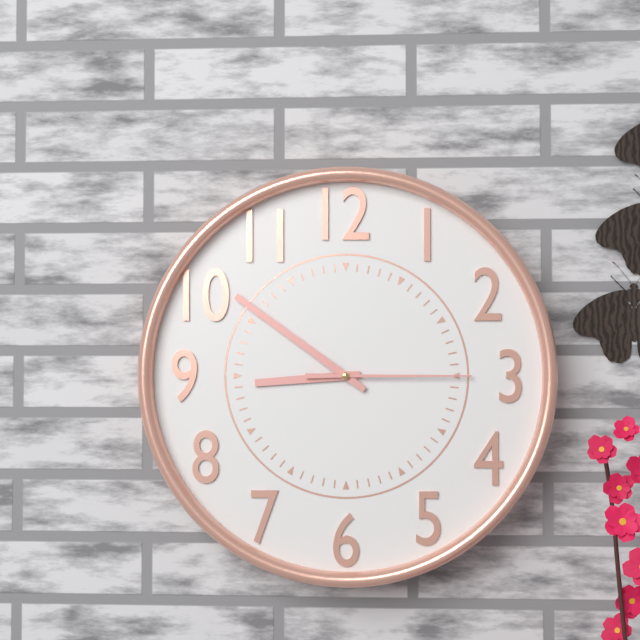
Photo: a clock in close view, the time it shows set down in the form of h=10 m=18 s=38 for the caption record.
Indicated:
h=8 m=51 s=15
